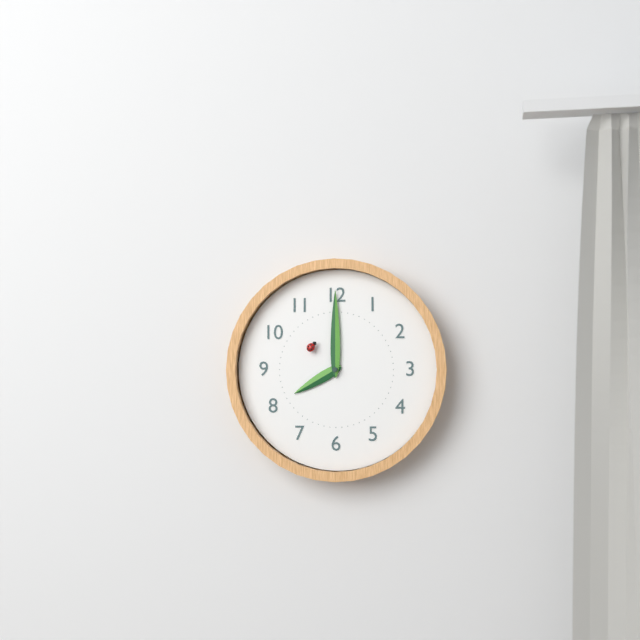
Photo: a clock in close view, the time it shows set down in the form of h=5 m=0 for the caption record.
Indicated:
h=8 m=0
